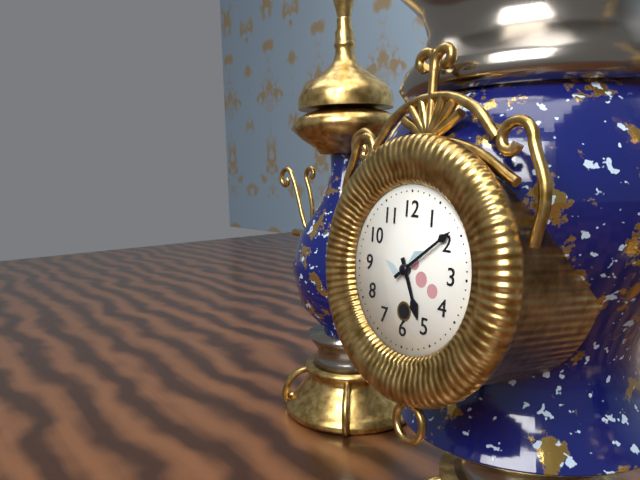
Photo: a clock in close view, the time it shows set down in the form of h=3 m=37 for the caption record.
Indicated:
h=5 m=9
